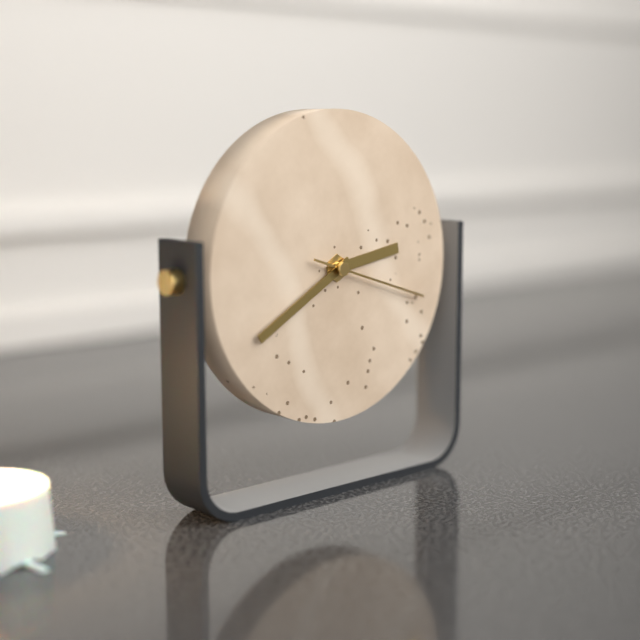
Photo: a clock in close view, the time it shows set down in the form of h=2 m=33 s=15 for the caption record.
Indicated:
h=2 m=40 s=18
